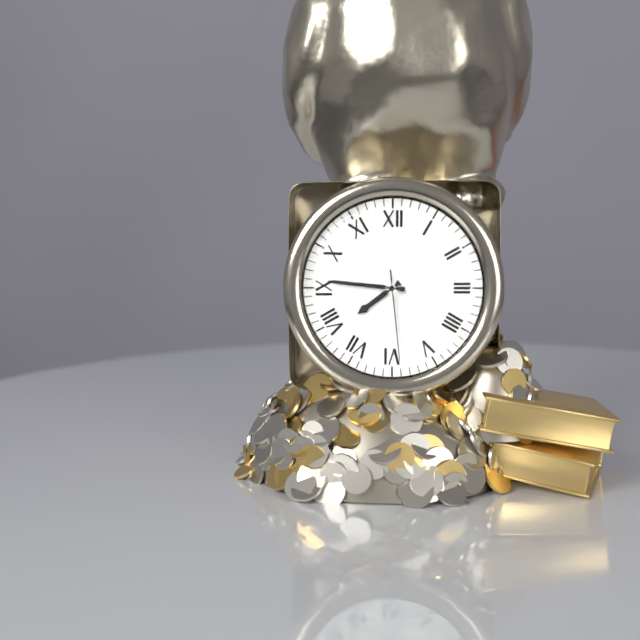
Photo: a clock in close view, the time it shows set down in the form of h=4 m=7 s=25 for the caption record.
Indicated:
h=7 m=46 s=29
